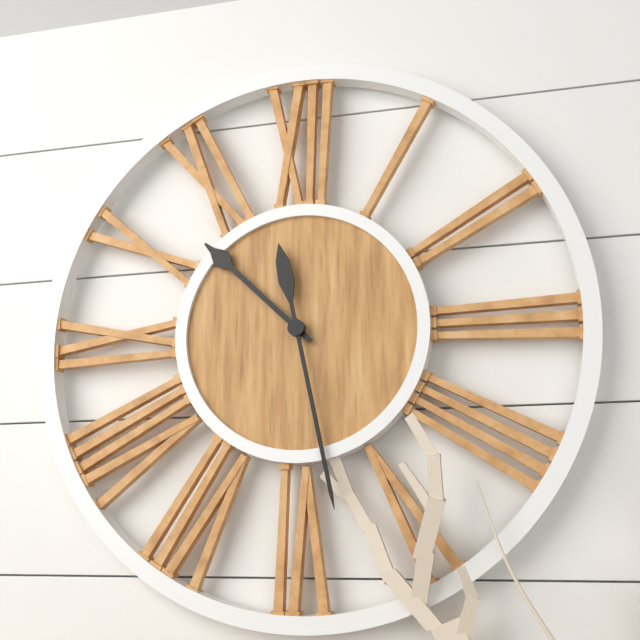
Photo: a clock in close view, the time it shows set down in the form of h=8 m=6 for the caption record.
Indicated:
h=10 m=28
